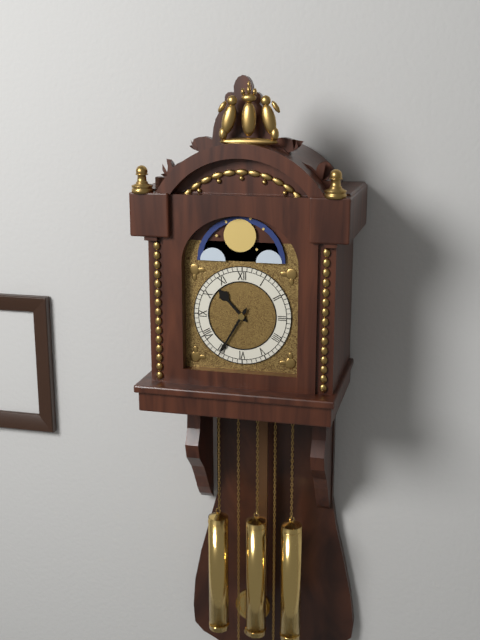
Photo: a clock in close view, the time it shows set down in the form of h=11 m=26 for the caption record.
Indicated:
h=10 m=35
